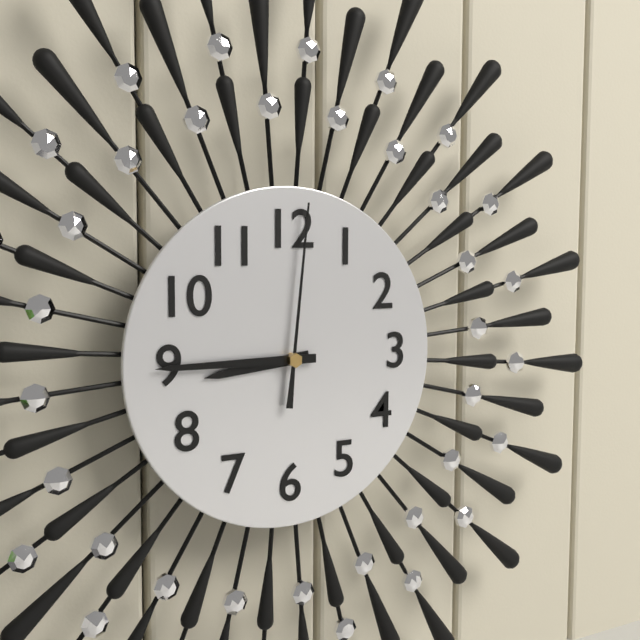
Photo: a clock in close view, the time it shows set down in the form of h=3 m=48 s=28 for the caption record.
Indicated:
h=8 m=45 s=1
